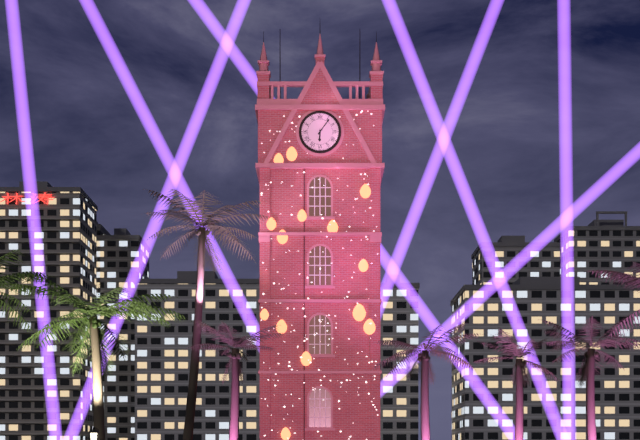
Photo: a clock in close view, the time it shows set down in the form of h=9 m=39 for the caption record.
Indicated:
h=6 m=6
